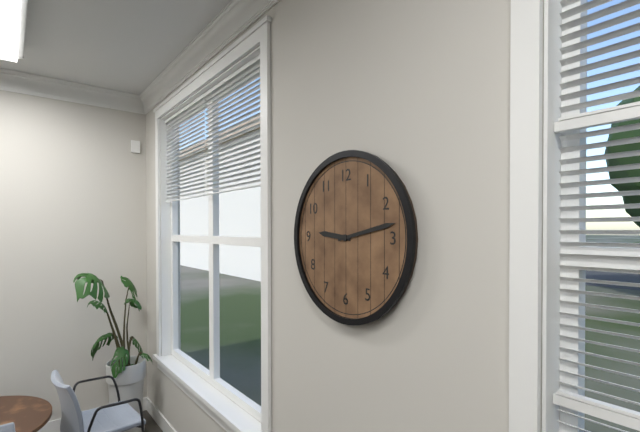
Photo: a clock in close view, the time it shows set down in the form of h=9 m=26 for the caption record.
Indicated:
h=9 m=13
